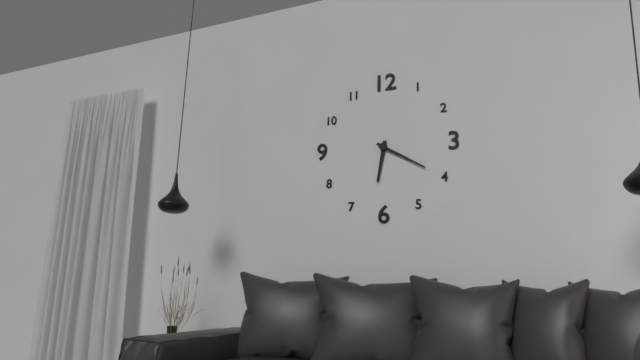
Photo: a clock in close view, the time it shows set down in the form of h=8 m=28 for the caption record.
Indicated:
h=6 m=20
